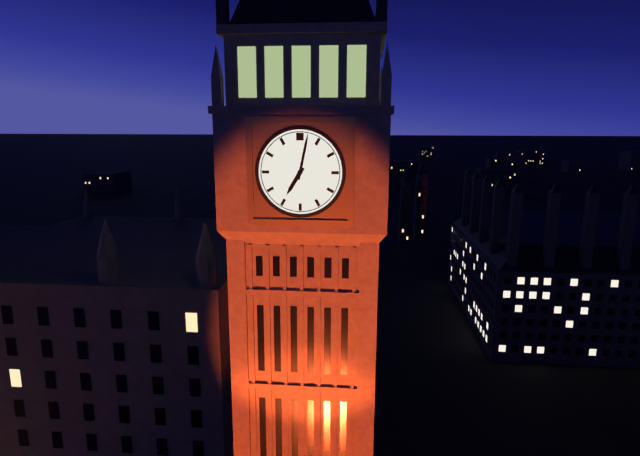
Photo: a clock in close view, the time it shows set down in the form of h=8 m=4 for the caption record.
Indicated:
h=7 m=2
